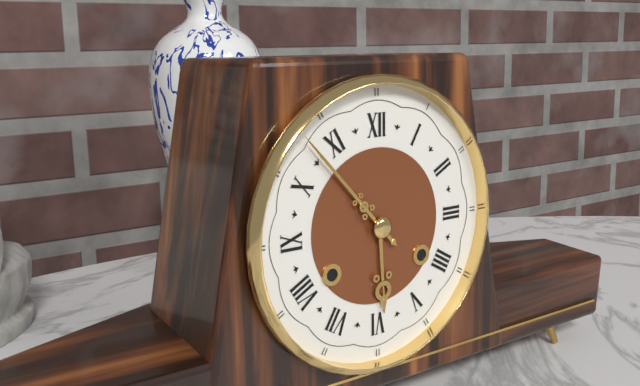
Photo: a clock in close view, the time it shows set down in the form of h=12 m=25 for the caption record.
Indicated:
h=5 m=53
